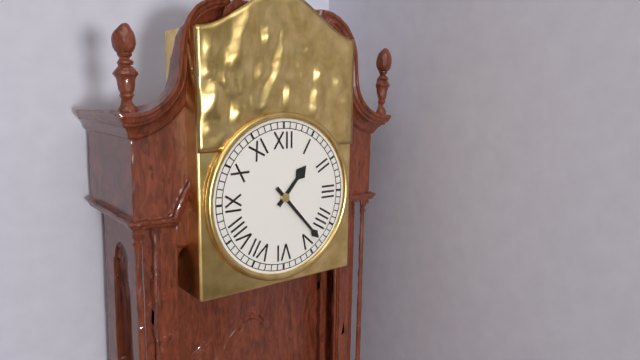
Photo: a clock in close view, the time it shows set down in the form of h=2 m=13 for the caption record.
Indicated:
h=1 m=23
